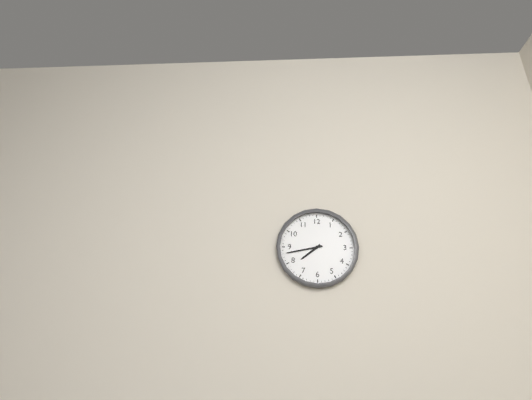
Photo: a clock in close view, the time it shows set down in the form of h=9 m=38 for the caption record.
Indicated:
h=7 m=43
